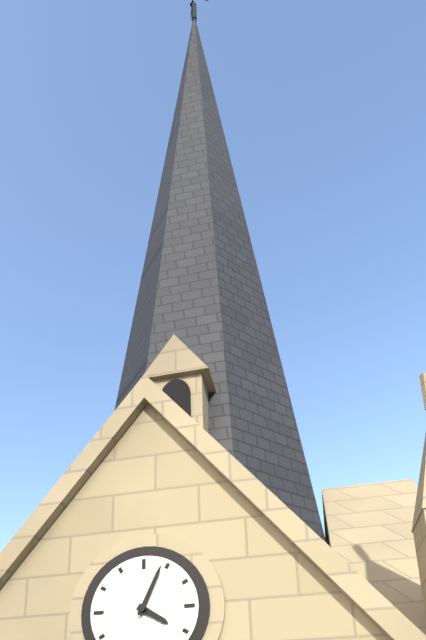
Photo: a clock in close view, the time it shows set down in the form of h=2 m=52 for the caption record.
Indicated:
h=4 m=4
